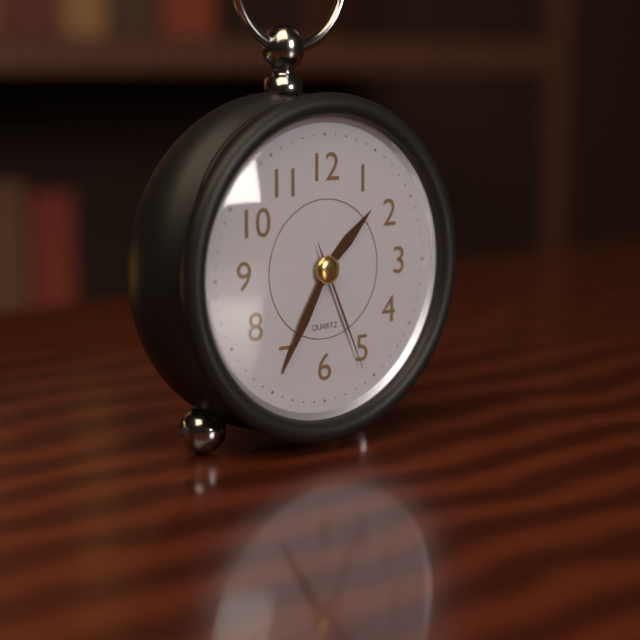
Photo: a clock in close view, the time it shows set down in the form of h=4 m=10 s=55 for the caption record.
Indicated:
h=1 m=35 s=26
